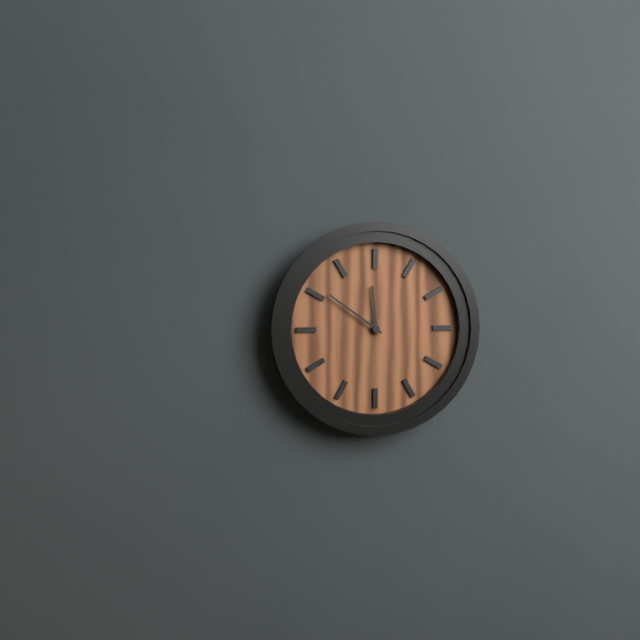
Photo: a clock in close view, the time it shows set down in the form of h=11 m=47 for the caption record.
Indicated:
h=11 m=51
